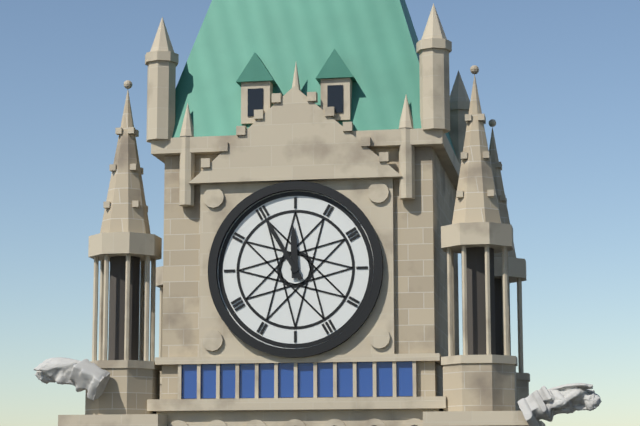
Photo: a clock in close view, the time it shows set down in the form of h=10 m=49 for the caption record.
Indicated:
h=11 m=55
